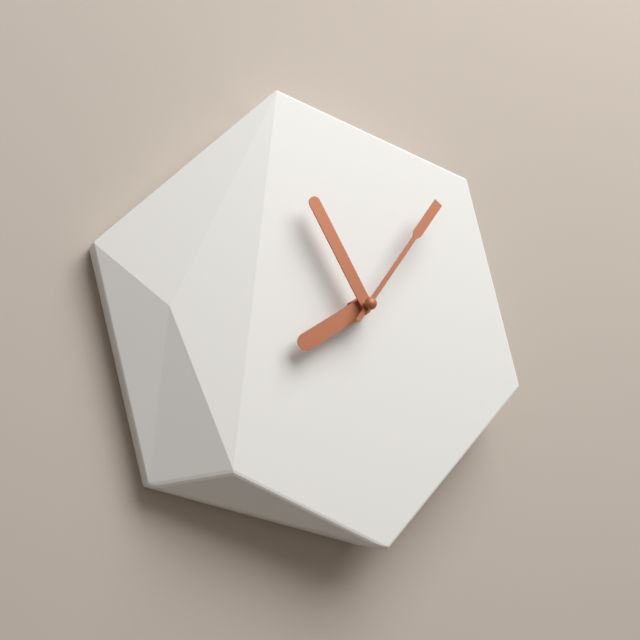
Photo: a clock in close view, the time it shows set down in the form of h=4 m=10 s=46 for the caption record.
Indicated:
h=7 m=55 s=6
